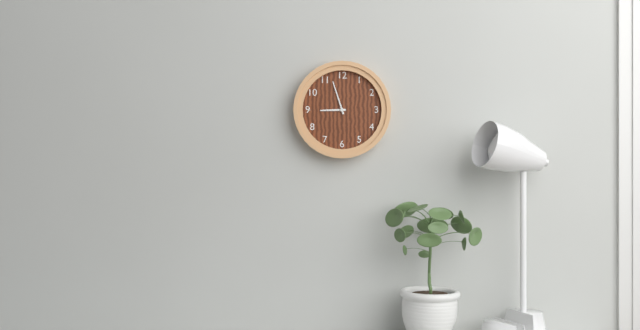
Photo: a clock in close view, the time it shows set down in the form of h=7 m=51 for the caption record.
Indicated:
h=8 m=57
